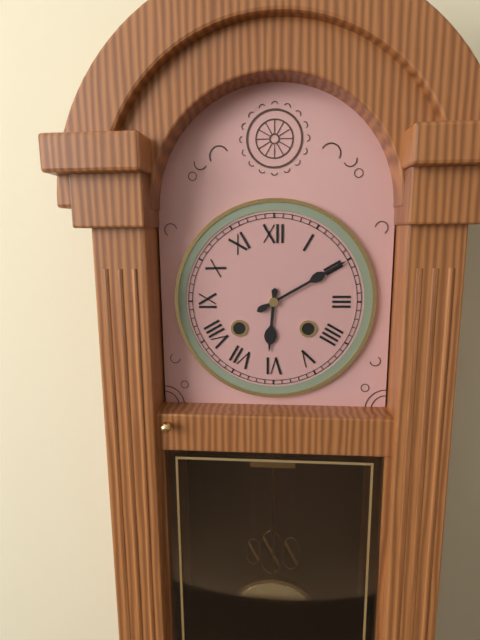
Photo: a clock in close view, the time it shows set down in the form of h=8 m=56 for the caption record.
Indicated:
h=6 m=10
